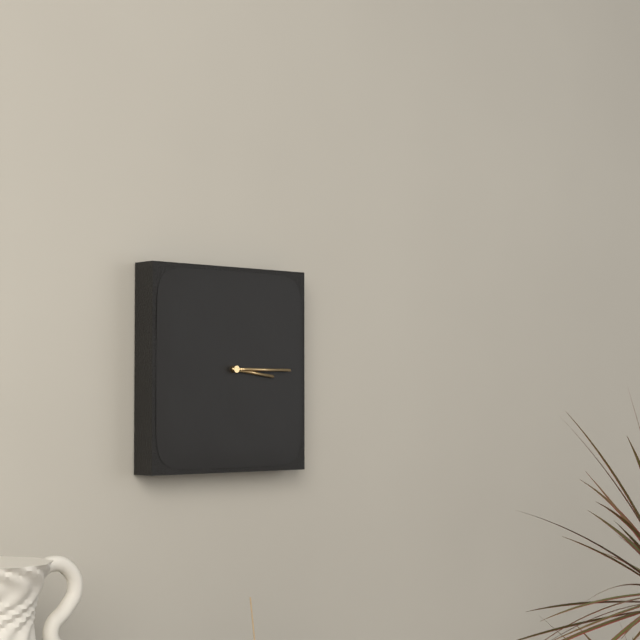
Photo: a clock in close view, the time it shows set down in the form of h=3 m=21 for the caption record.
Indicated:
h=3 m=15
